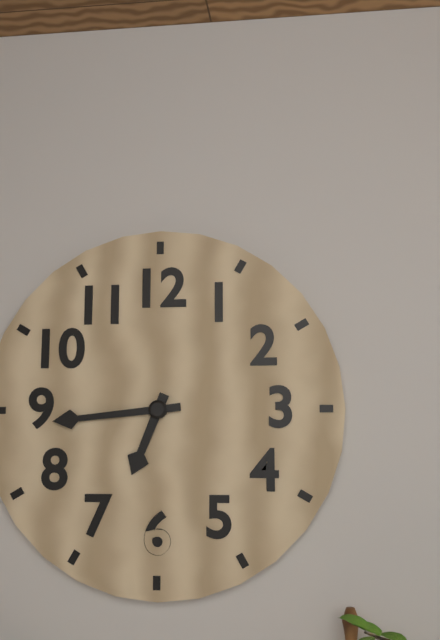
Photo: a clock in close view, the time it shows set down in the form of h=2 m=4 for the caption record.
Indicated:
h=6 m=44
